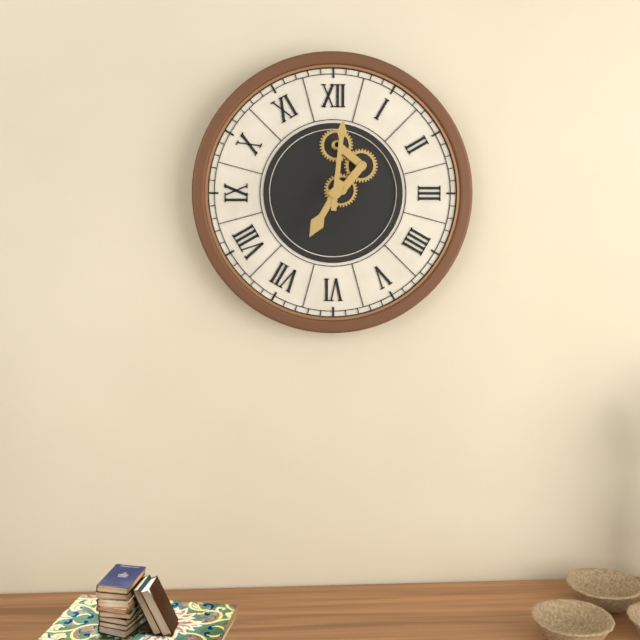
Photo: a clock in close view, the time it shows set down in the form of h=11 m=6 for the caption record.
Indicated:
h=7 m=1
